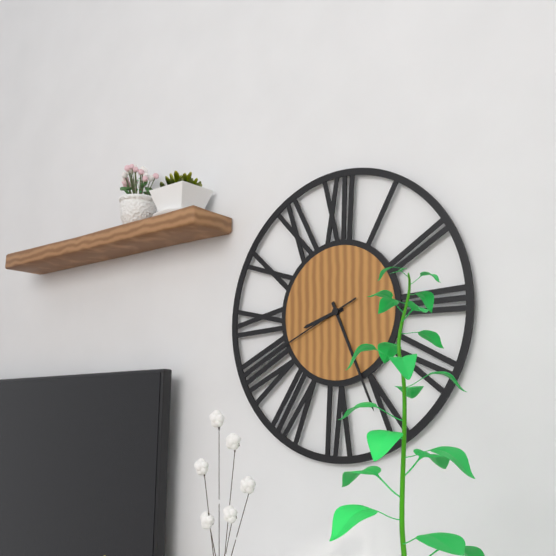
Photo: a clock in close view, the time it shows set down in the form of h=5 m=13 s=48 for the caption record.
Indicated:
h=8 m=26 s=41
